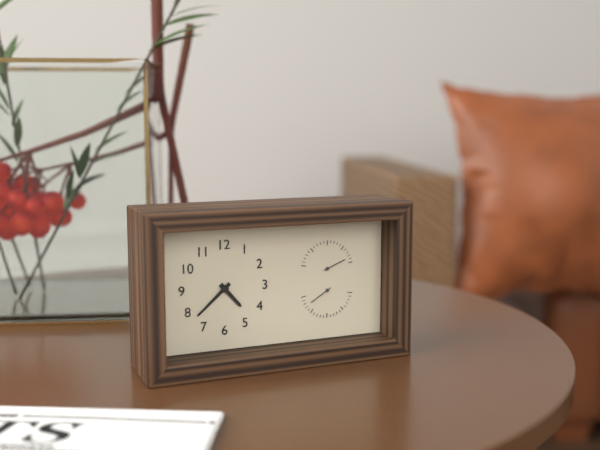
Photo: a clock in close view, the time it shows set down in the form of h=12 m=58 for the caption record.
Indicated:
h=4 m=38
